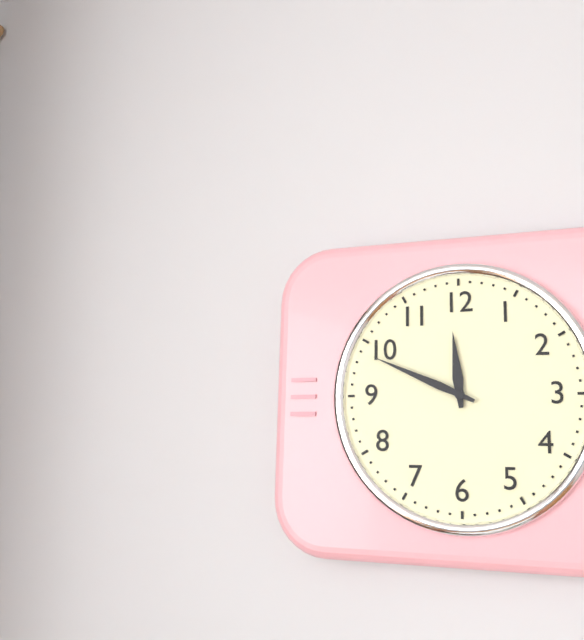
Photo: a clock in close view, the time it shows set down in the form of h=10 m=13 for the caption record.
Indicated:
h=11 m=49
